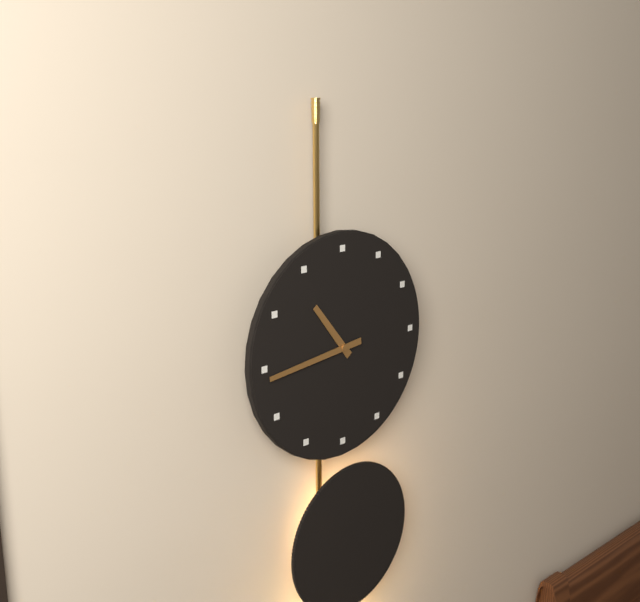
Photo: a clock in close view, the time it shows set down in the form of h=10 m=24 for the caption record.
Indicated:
h=10 m=44
